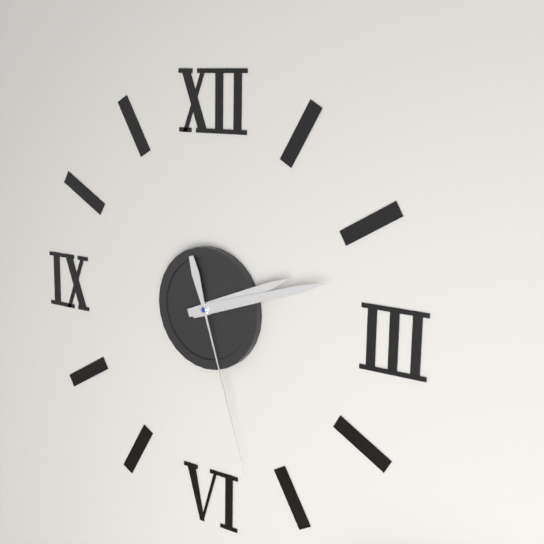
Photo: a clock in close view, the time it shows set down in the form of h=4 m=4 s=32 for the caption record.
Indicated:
h=2 m=12 s=27
